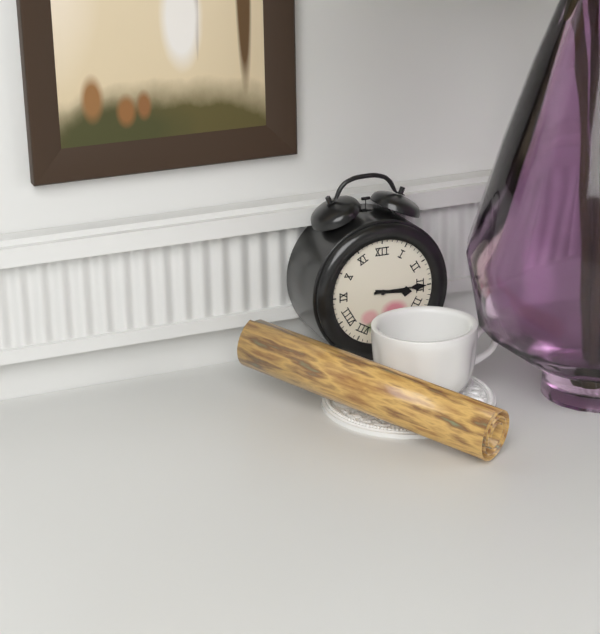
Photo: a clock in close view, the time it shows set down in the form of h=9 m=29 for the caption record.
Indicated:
h=3 m=15
